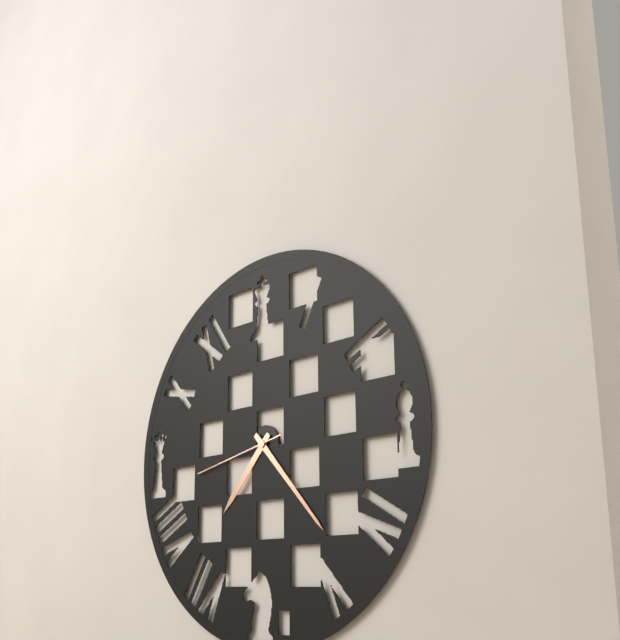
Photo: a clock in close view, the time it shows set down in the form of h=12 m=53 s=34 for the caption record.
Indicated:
h=7 m=23 s=43
